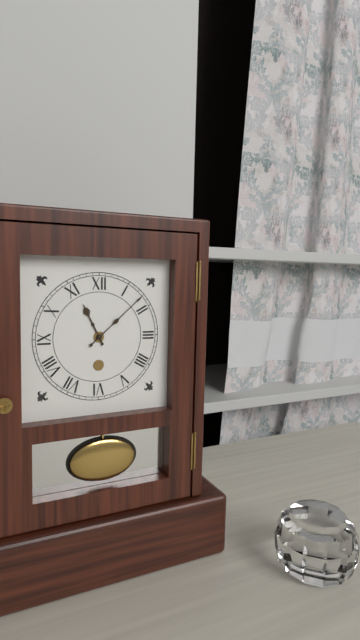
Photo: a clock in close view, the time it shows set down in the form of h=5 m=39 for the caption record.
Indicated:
h=11 m=8
